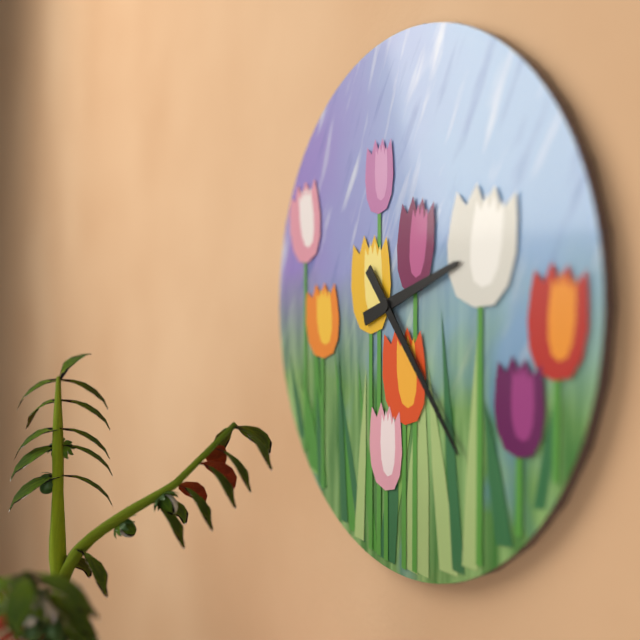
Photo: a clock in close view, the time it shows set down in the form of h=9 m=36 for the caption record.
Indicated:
h=2 m=23
